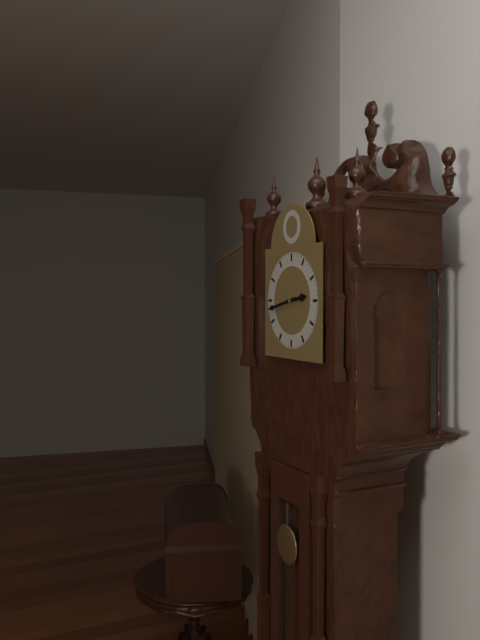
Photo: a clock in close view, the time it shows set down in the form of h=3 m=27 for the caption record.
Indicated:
h=2 m=43
